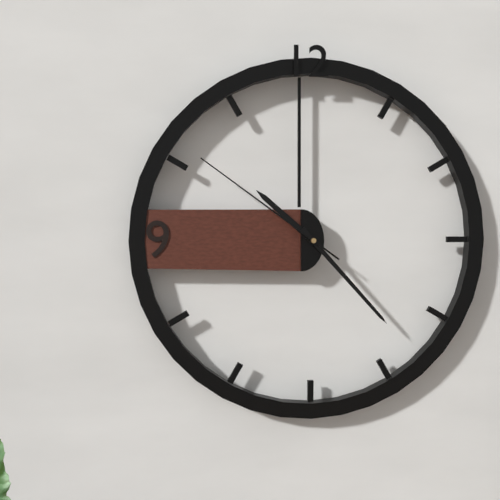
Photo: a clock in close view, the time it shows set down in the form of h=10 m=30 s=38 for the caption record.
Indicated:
h=10 m=23 s=51
